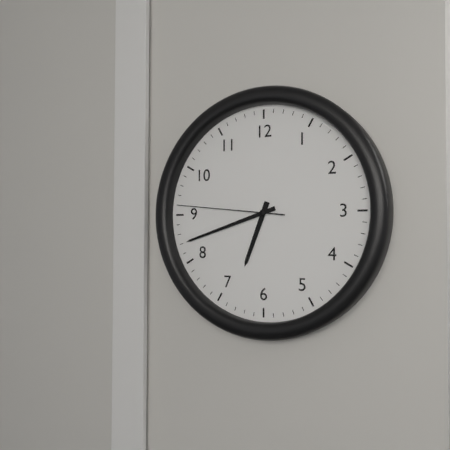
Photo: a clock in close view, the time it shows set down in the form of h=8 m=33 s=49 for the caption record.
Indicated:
h=6 m=42 s=46
